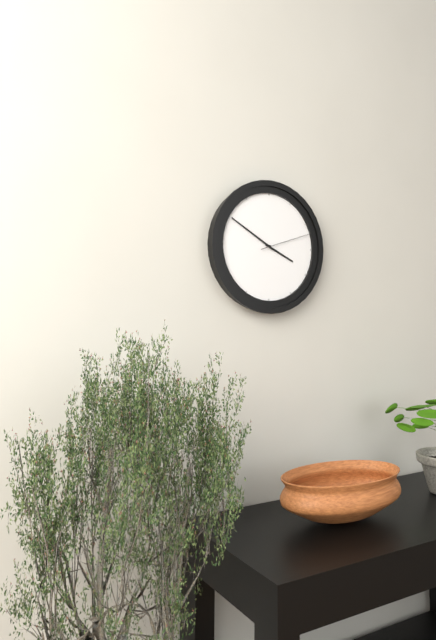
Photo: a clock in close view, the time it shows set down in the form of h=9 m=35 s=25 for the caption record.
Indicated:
h=3 m=50 s=12
